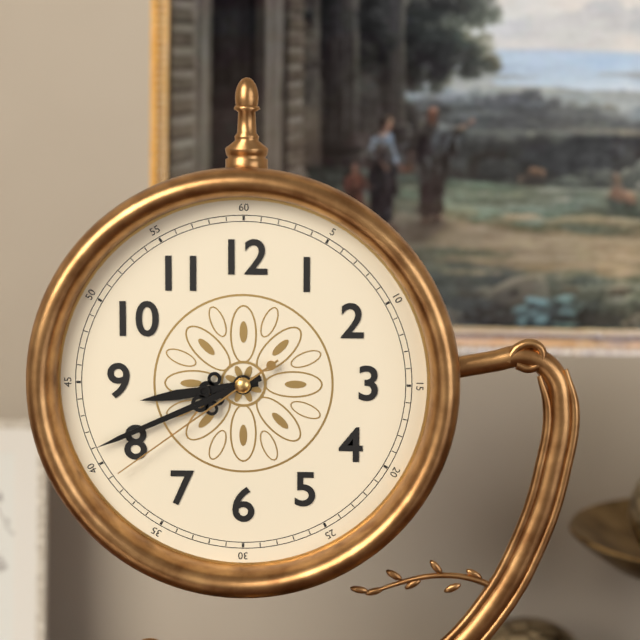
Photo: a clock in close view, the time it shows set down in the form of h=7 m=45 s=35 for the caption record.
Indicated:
h=8 m=41 s=39
